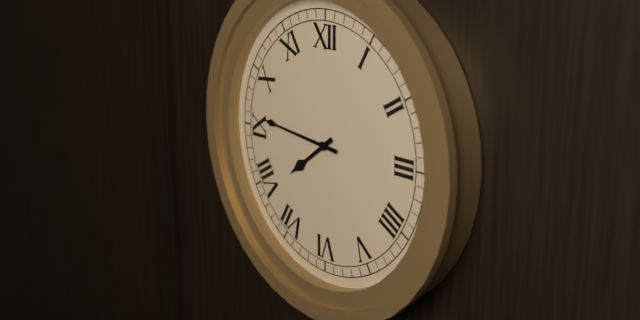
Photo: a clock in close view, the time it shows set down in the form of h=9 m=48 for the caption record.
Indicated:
h=7 m=46
